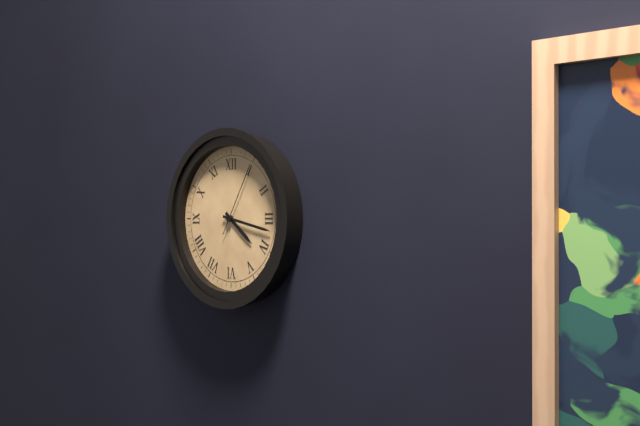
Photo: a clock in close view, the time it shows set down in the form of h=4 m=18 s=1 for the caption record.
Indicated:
h=4 m=17 s=5
